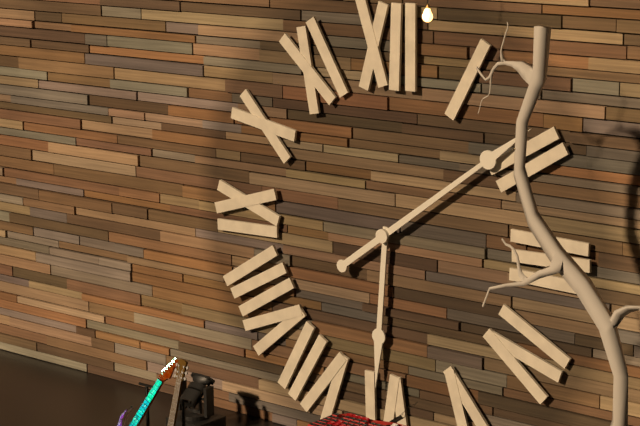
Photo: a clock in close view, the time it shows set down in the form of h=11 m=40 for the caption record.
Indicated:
h=6 m=9
